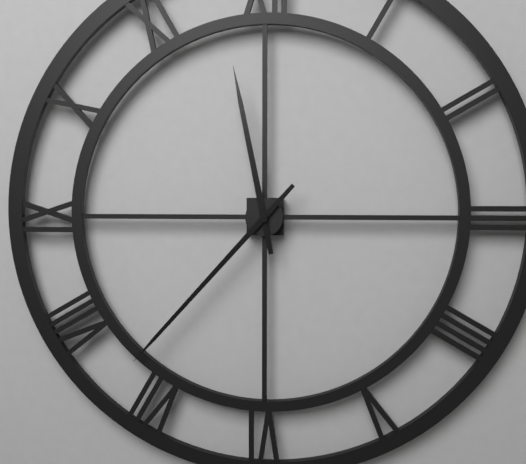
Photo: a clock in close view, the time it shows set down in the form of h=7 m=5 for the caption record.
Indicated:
h=11 m=37
